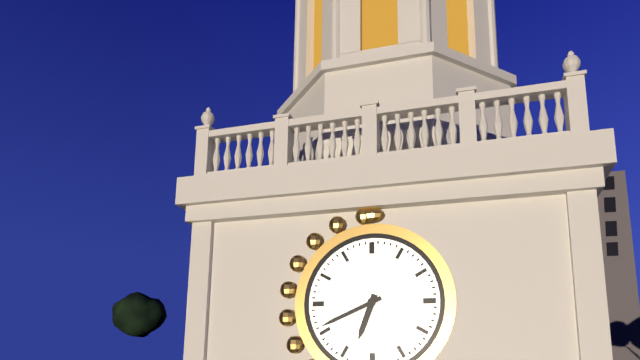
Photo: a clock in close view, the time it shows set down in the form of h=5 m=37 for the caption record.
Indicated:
h=6 m=41
